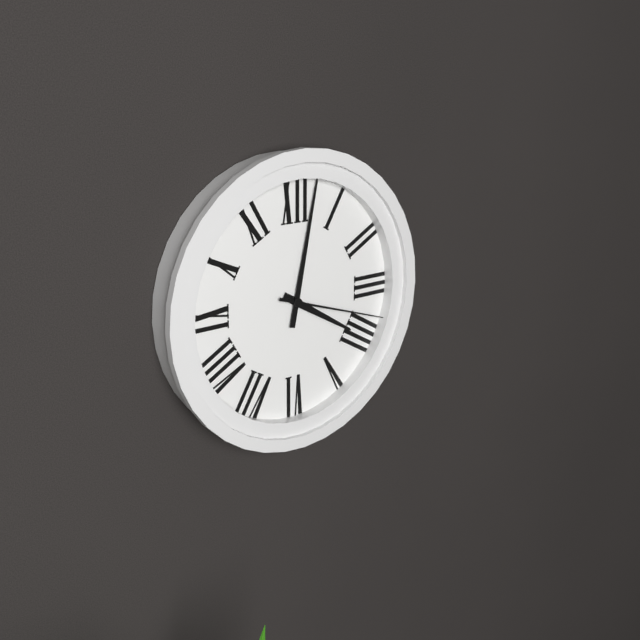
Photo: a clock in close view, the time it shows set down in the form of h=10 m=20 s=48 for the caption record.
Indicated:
h=4 m=2 s=18
